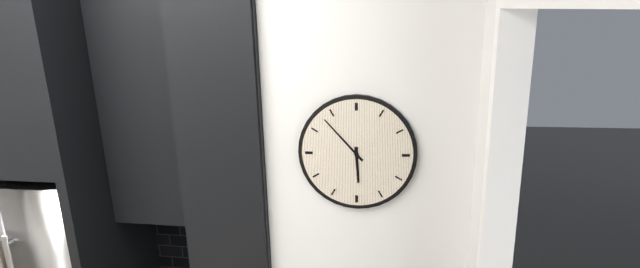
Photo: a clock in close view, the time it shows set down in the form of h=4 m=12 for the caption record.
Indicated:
h=5 m=53
